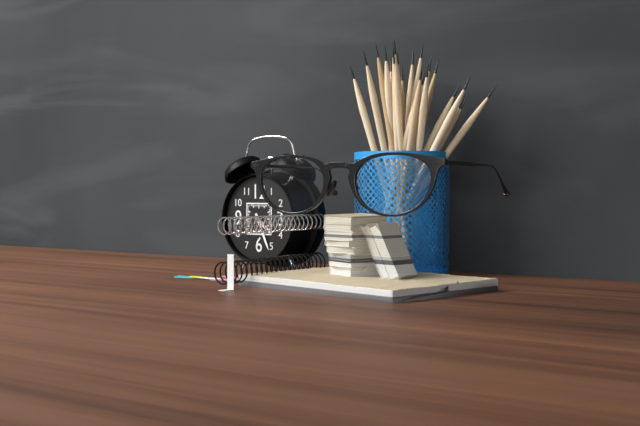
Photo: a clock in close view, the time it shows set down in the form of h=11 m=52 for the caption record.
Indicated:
h=4 m=26
